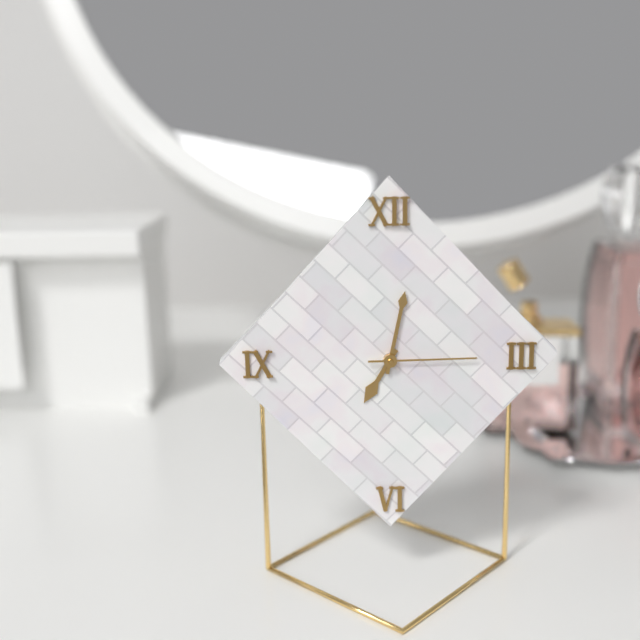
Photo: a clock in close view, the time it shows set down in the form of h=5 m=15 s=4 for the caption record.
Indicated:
h=7 m=2 s=15
